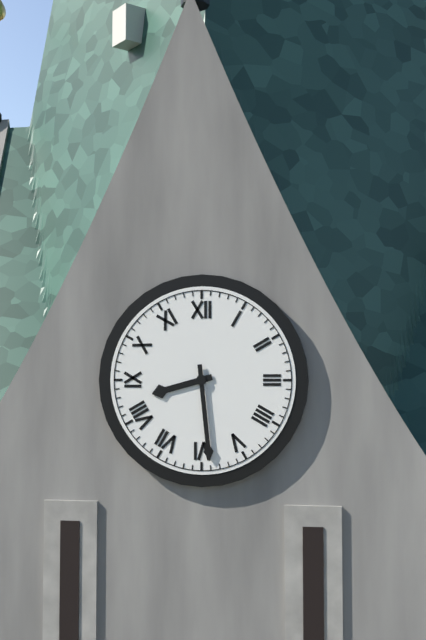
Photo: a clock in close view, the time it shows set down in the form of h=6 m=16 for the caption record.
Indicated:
h=8 m=29
